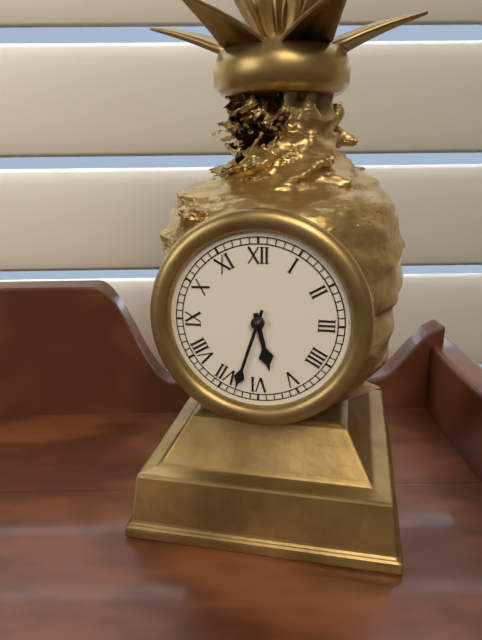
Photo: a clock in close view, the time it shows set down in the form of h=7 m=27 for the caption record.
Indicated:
h=5 m=33
